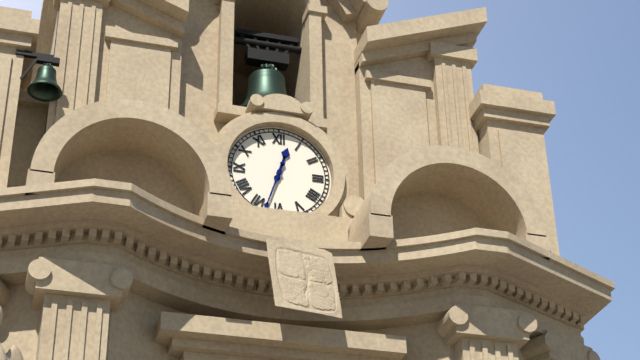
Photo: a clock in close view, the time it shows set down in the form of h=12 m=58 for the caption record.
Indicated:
h=12 m=33
